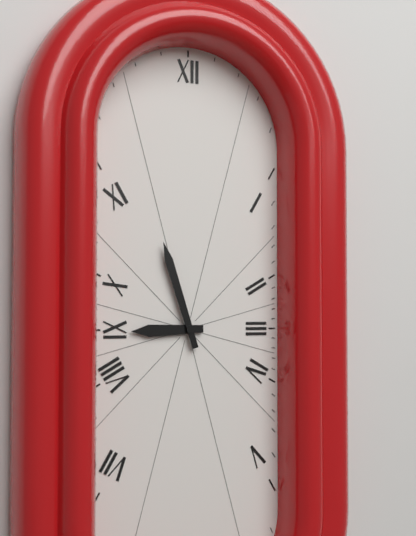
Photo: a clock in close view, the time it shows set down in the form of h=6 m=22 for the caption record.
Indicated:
h=8 m=57
